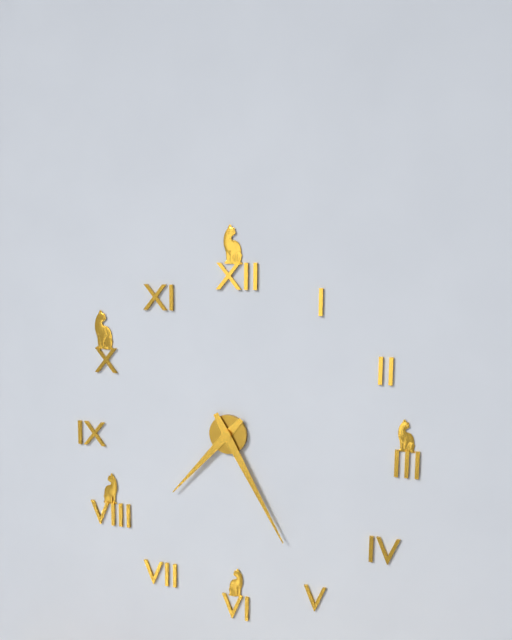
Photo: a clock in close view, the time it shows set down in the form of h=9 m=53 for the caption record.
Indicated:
h=7 m=25
